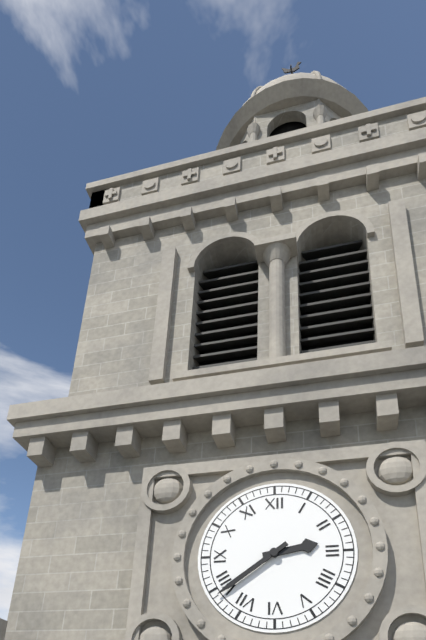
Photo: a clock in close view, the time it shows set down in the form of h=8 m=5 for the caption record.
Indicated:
h=2 m=39
